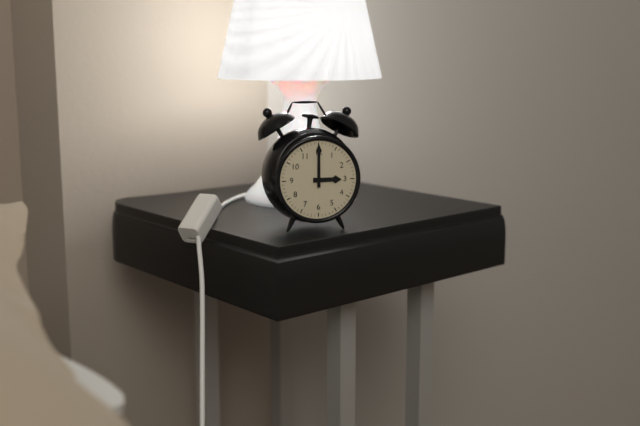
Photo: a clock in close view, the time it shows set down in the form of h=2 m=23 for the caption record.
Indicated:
h=3 m=0
